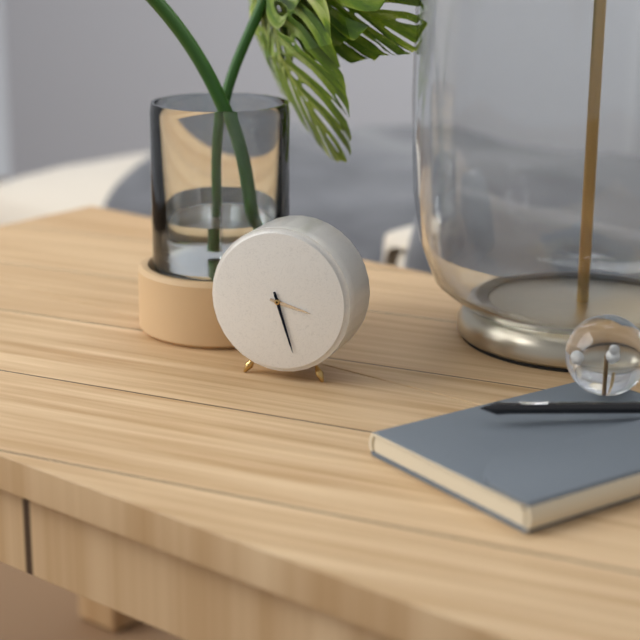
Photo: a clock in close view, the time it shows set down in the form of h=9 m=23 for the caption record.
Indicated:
h=3 m=27
